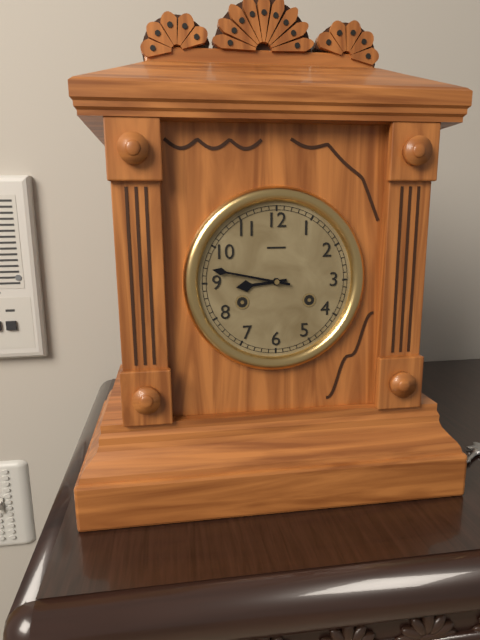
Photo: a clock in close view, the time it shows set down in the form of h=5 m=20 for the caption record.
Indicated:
h=8 m=47
